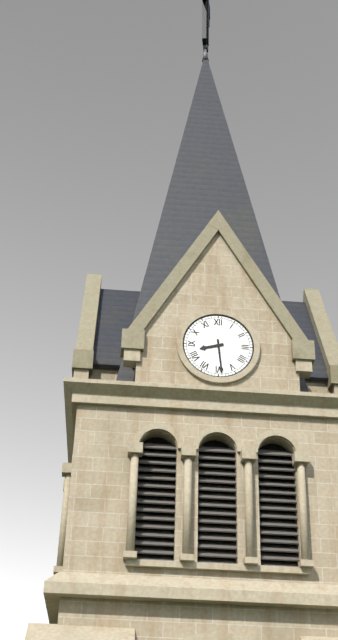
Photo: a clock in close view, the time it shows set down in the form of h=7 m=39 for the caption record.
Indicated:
h=8 m=29
